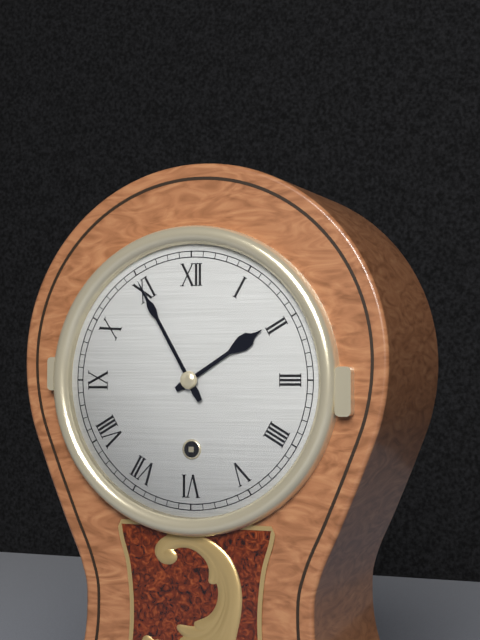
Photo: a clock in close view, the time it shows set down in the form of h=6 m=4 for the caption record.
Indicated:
h=1 m=55
